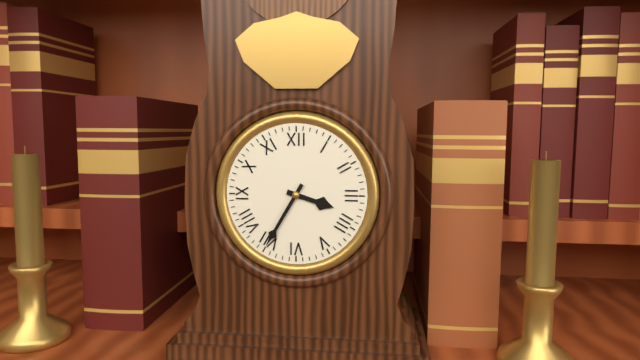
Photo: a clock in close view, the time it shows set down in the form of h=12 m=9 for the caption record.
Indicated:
h=3 m=35
